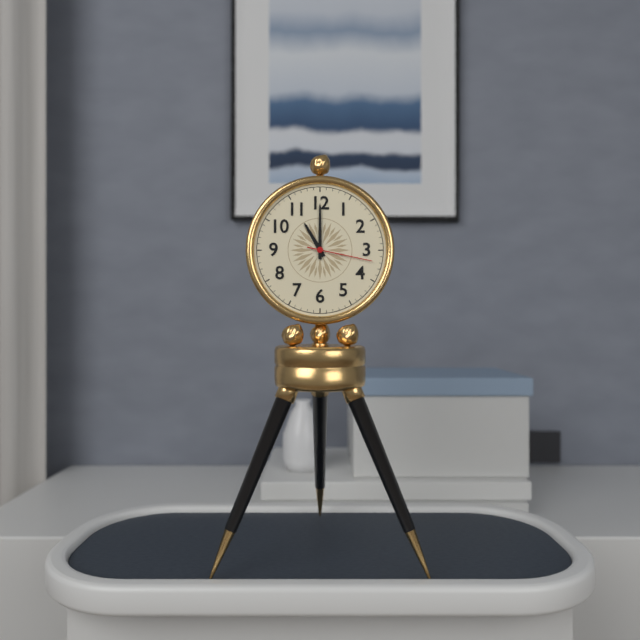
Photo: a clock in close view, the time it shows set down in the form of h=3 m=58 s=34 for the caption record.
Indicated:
h=11 m=0 s=17
